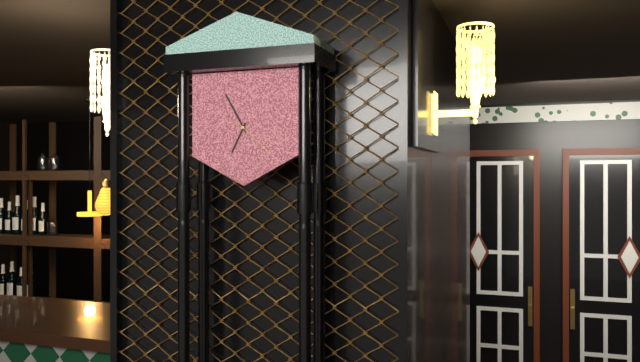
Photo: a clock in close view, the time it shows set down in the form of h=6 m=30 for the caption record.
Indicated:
h=6 m=55
